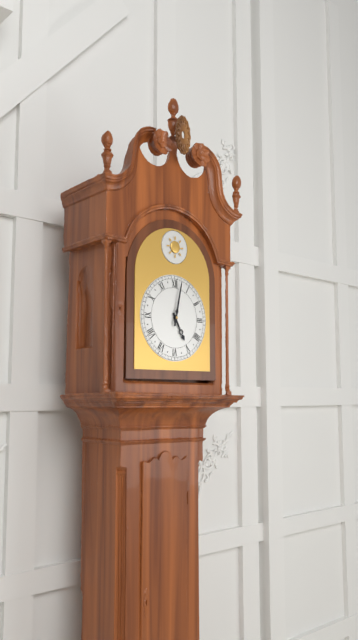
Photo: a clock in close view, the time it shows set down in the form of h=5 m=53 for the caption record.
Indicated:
h=5 m=2
